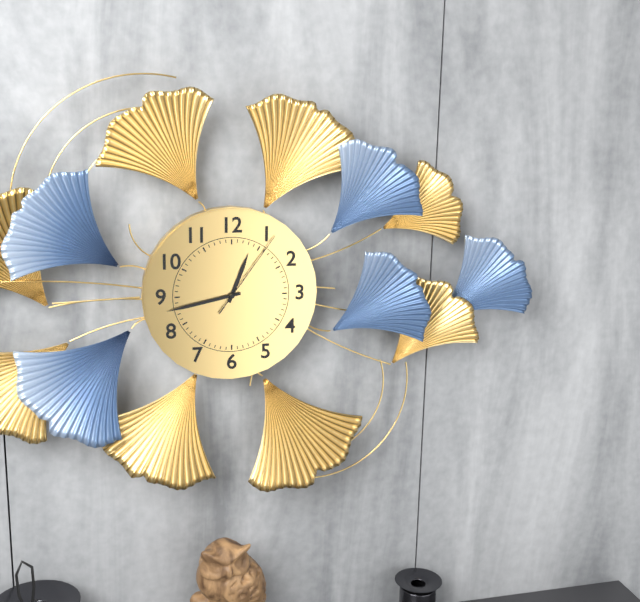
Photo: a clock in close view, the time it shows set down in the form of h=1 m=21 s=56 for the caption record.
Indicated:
h=12 m=43 s=6
